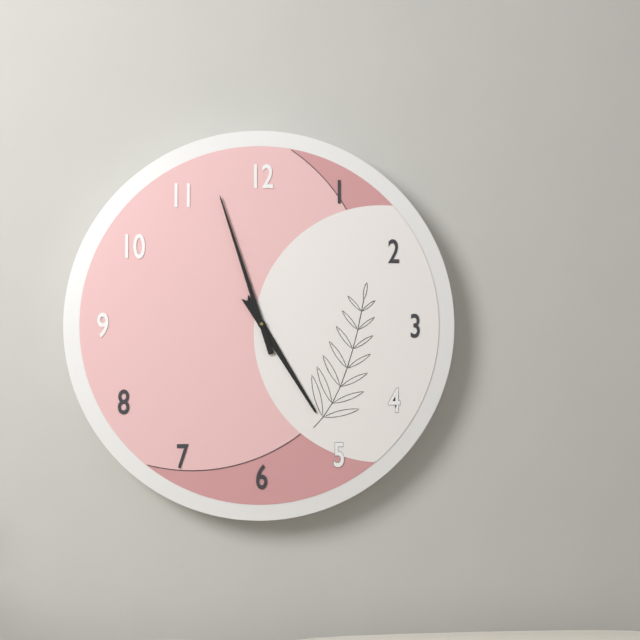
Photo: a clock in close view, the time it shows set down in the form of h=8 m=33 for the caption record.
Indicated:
h=4 m=57
